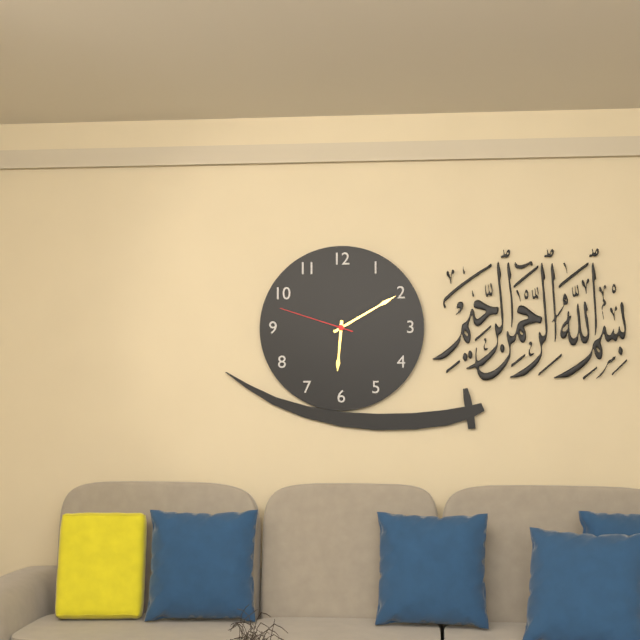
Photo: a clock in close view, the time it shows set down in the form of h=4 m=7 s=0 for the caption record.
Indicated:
h=6 m=10 s=48
